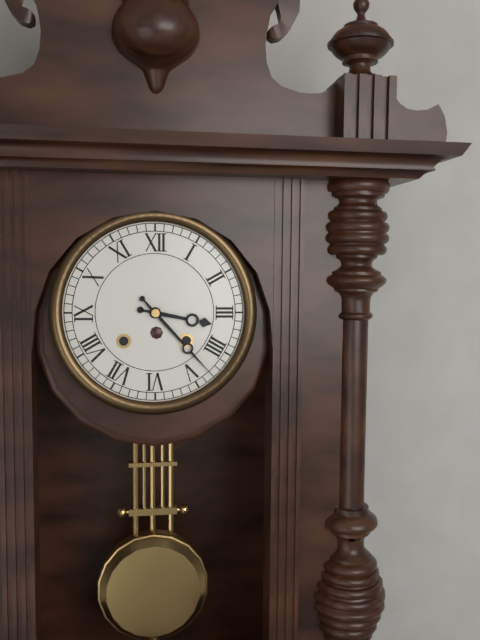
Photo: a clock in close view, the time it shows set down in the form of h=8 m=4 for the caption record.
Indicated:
h=3 m=23
